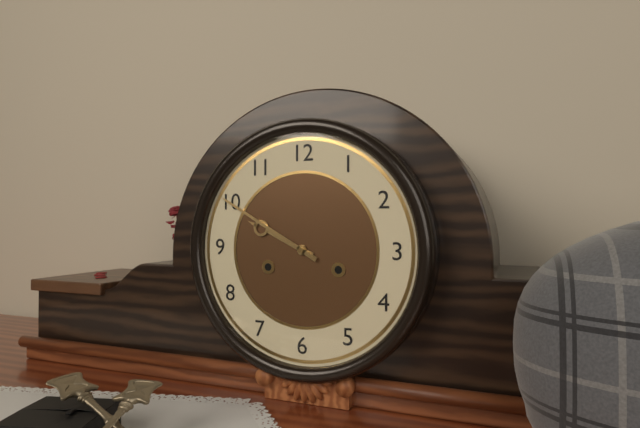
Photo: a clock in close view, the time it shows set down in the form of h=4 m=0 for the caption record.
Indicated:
h=9 m=50
